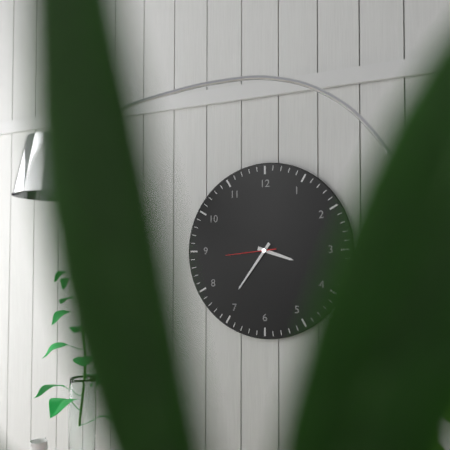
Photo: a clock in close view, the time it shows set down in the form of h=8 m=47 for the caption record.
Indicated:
h=3 m=36
